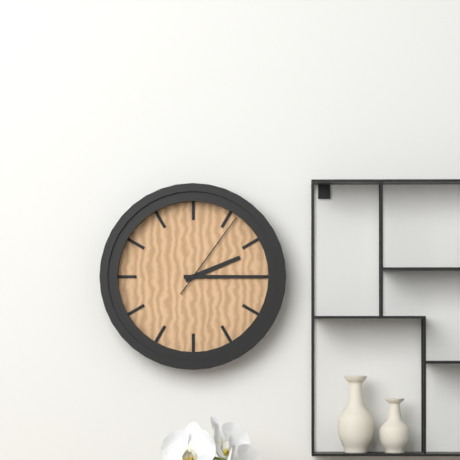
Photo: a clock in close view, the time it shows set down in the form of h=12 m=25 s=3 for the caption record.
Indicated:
h=2 m=15 s=6
